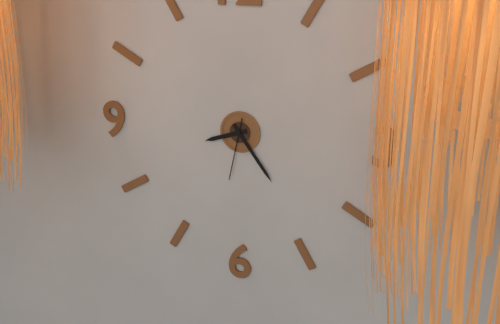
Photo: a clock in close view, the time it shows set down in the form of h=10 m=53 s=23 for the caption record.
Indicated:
h=8 m=24 s=32
